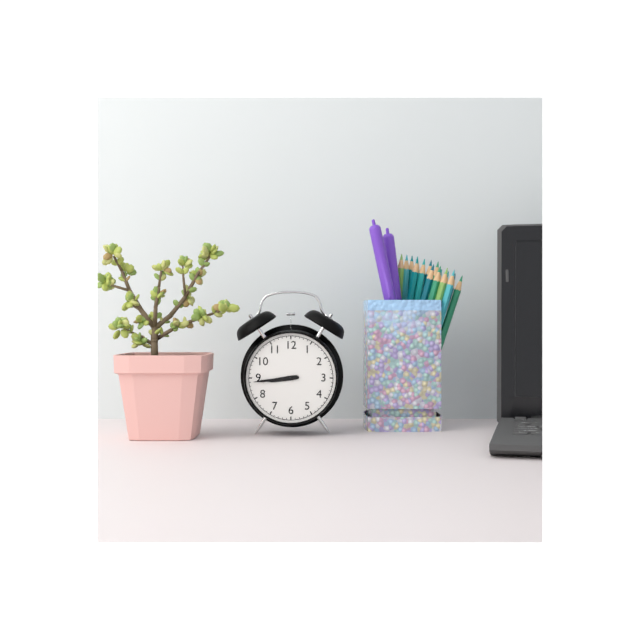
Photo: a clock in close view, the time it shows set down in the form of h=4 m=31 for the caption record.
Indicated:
h=8 m=44
